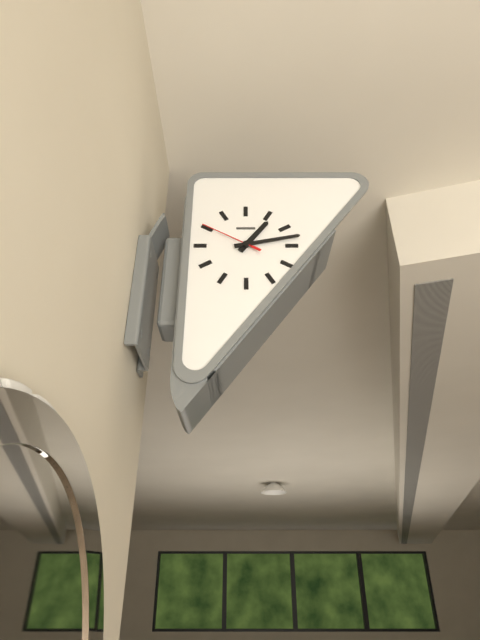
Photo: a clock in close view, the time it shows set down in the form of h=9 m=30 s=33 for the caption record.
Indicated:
h=1 m=13 s=50
